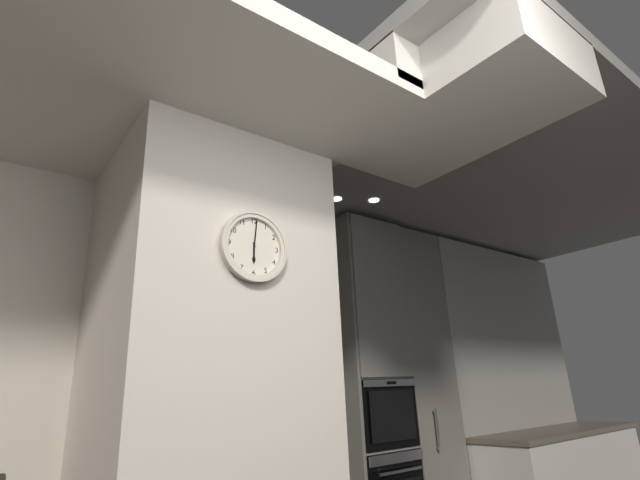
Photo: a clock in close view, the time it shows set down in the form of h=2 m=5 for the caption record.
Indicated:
h=6 m=1
